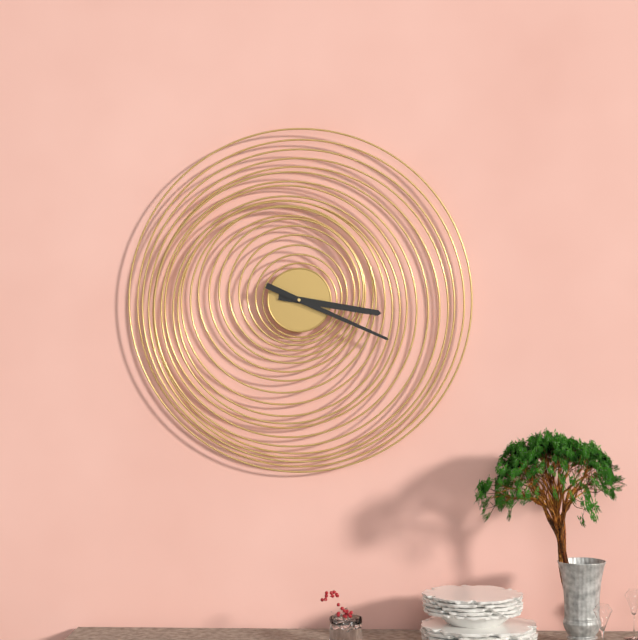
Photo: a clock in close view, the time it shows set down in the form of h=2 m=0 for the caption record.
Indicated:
h=3 m=19
